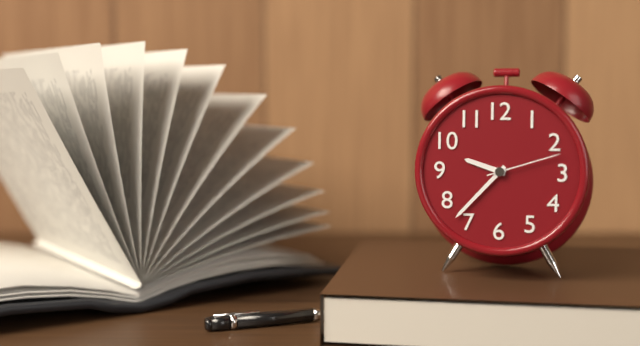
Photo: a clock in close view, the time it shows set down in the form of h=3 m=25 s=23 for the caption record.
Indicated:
h=9 m=37 s=12
